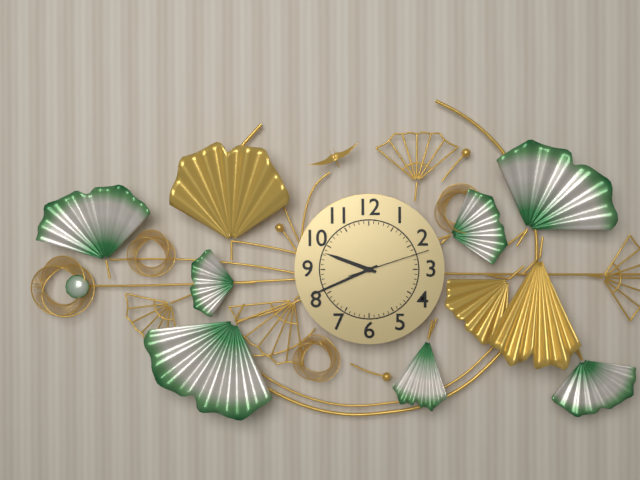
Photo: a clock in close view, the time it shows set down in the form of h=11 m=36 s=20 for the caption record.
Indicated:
h=9 m=41 s=12
